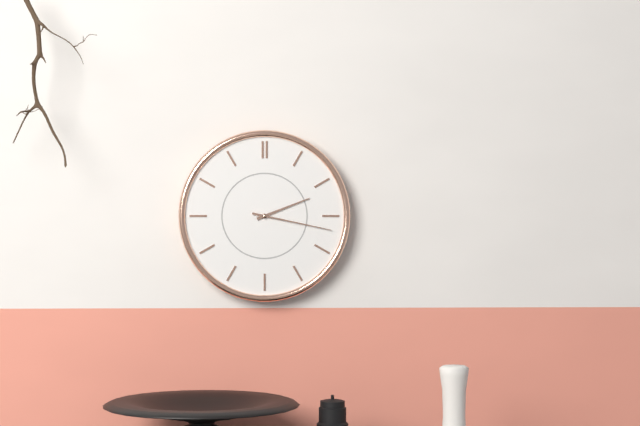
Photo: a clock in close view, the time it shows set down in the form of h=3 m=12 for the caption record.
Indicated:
h=2 m=17
